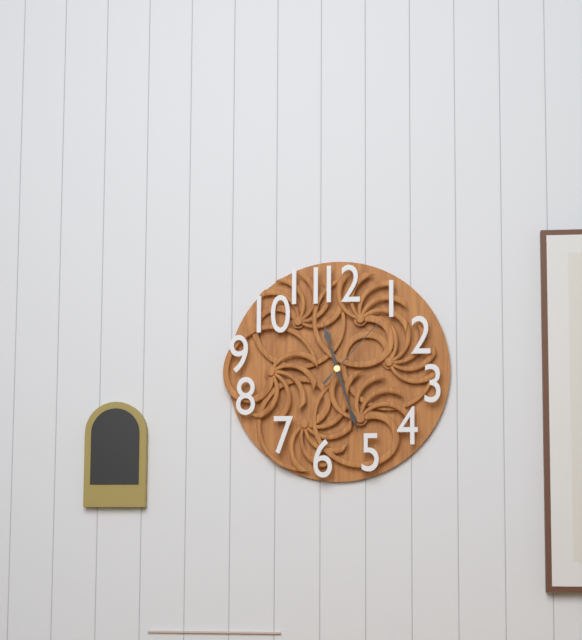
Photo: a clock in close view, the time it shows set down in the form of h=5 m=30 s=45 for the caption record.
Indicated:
h=11 m=27 s=7
